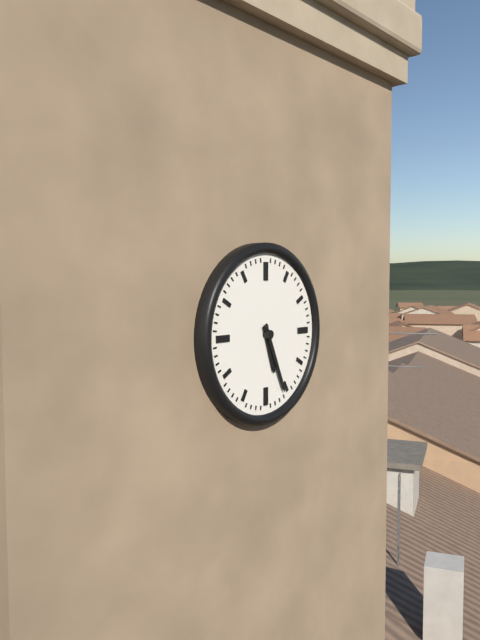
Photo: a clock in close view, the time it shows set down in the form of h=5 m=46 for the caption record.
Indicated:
h=5 m=26
